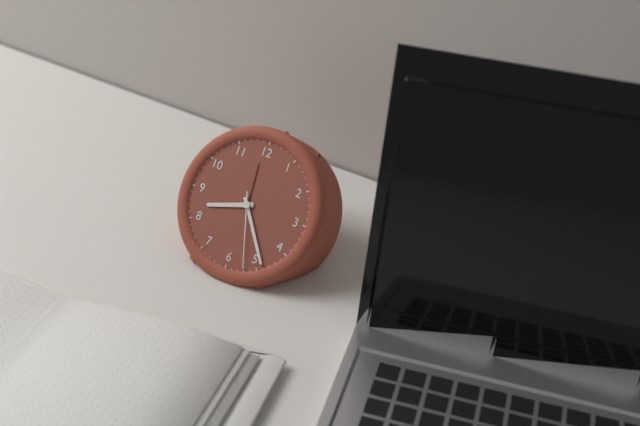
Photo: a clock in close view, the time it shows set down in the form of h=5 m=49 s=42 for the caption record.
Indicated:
h=8 m=24 s=27
